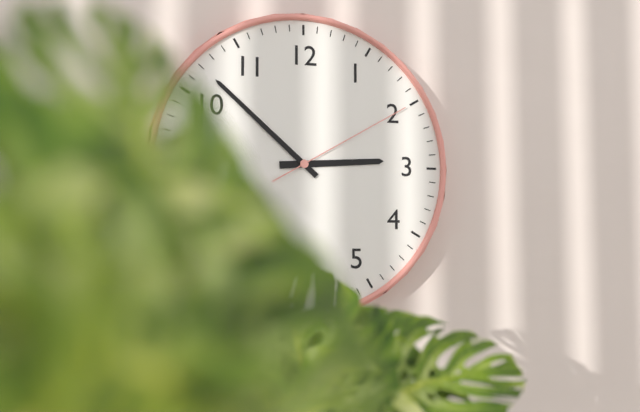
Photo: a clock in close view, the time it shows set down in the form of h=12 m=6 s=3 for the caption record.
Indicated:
h=2 m=52 s=10
